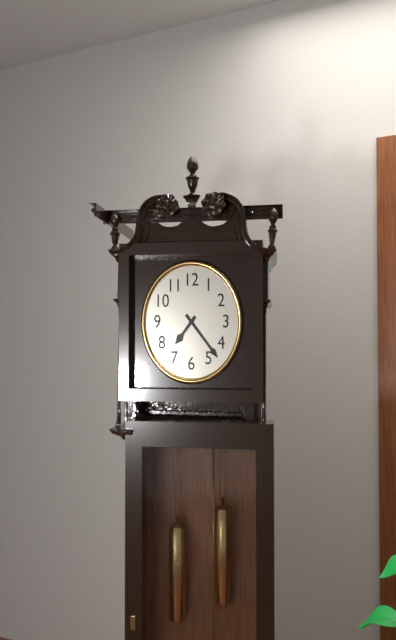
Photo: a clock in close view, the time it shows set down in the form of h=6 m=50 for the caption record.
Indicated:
h=7 m=23
